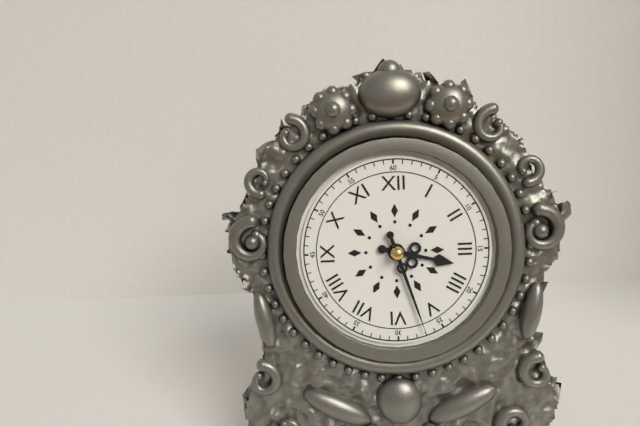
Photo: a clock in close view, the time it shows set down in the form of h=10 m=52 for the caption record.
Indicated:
h=3 m=27
